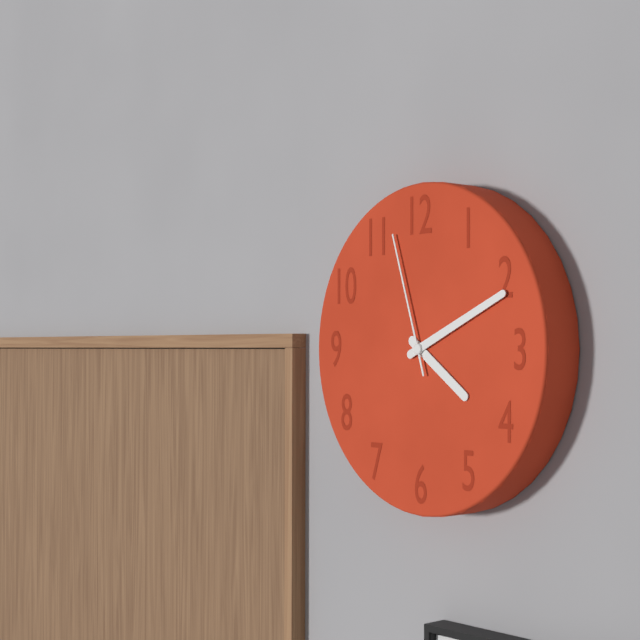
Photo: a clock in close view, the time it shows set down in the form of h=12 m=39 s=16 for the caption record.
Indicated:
h=4 m=11 s=57
